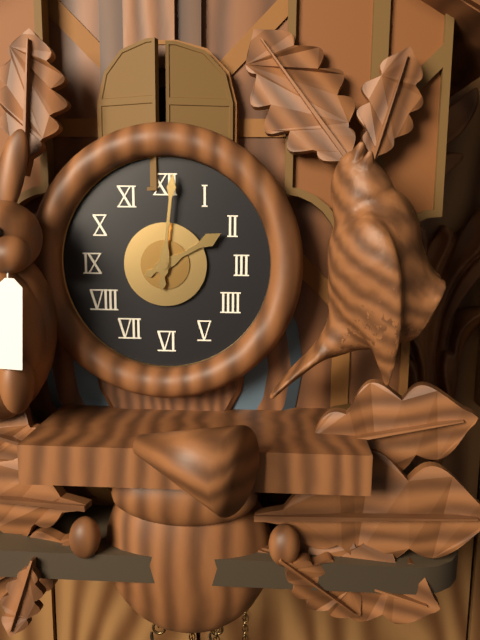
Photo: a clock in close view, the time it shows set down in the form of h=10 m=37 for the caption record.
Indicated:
h=2 m=1
